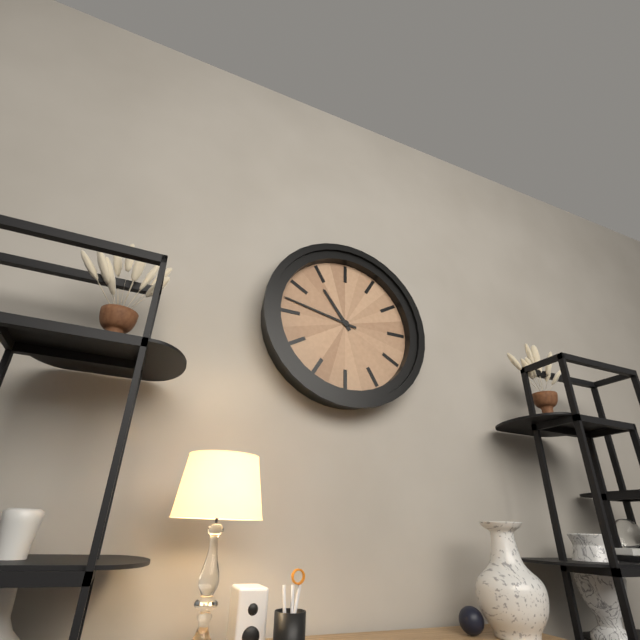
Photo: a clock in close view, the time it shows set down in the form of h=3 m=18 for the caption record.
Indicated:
h=10 m=47
